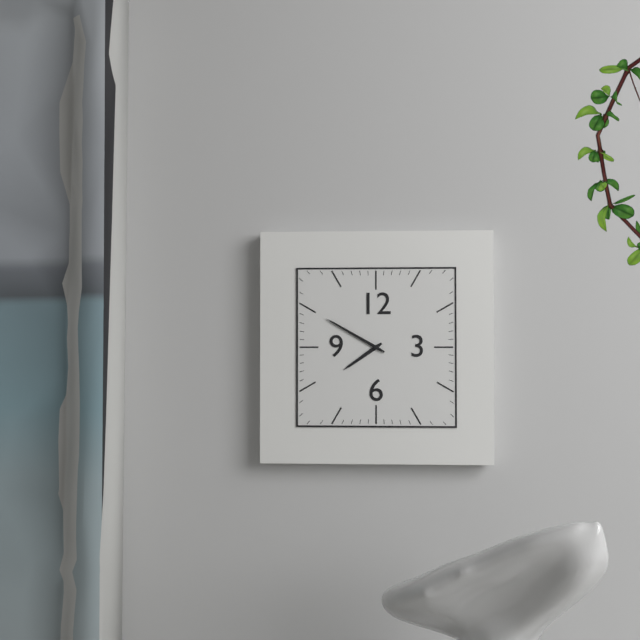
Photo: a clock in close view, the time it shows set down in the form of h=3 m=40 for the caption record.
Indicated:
h=7 m=50
